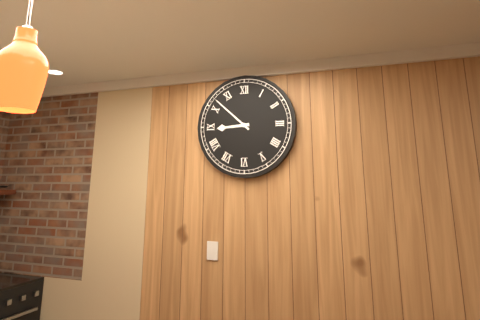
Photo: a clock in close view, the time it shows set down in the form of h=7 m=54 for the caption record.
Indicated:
h=8 m=52
